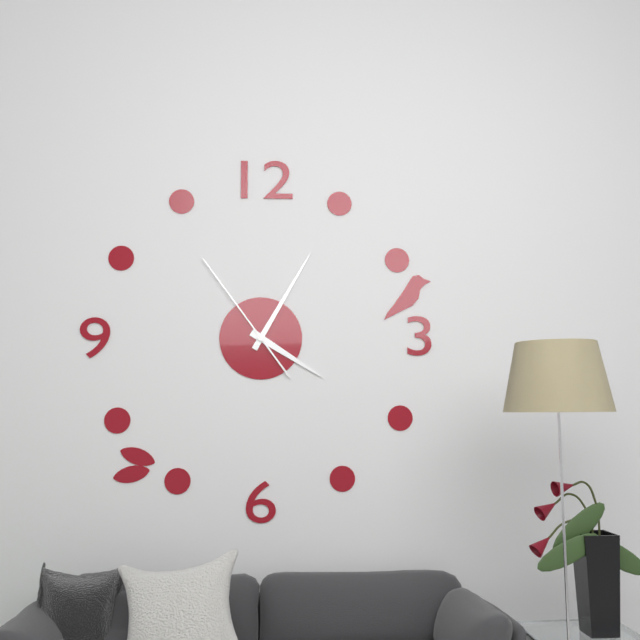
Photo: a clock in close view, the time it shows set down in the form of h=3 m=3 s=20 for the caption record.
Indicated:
h=4 m=5 s=54
